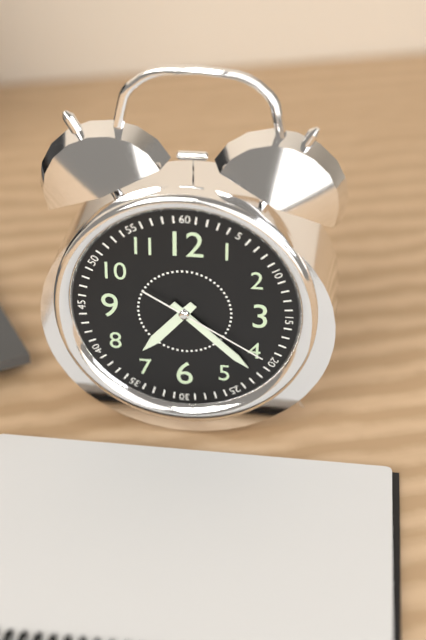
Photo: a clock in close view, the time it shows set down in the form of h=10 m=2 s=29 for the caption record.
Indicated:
h=7 m=22 s=20
